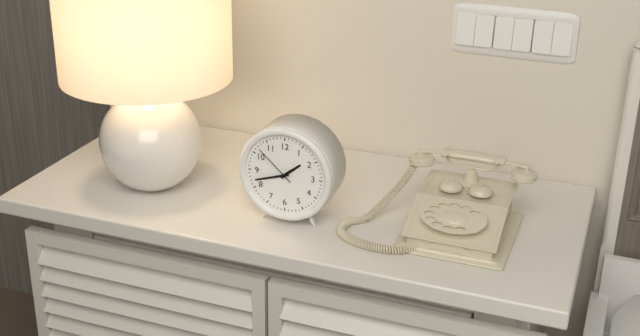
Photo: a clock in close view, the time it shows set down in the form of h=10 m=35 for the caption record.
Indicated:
h=1 m=42
